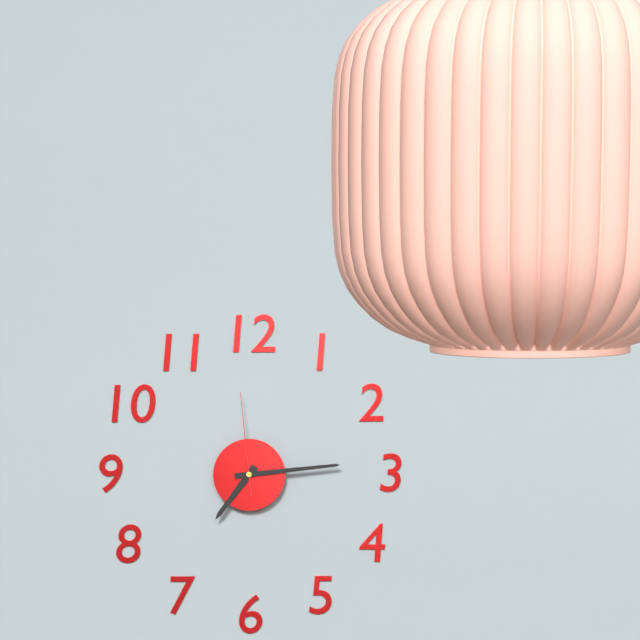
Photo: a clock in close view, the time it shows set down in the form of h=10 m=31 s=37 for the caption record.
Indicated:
h=7 m=14 s=59
